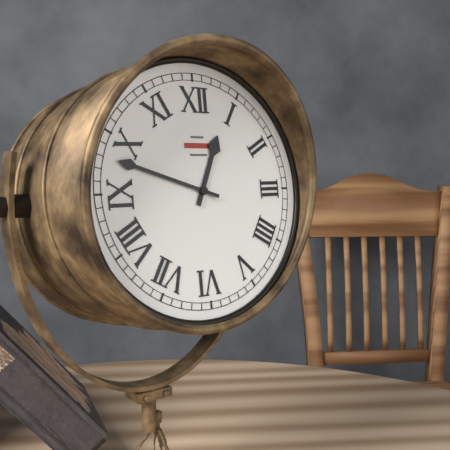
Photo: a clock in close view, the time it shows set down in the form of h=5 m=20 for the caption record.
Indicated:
h=12 m=48
